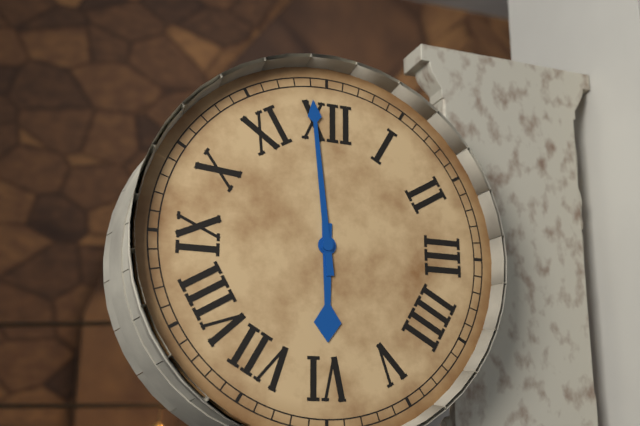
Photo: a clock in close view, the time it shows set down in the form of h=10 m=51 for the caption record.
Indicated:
h=5 m=59
